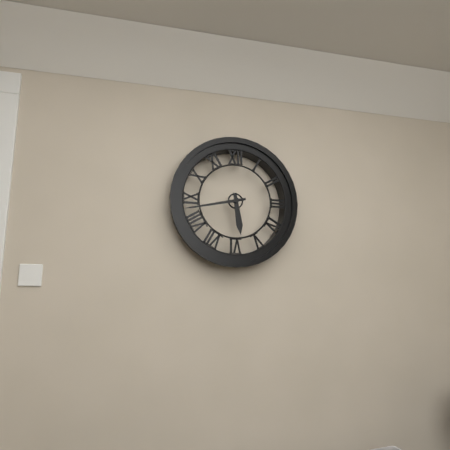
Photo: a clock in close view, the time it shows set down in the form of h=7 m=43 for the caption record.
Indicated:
h=5 m=43
